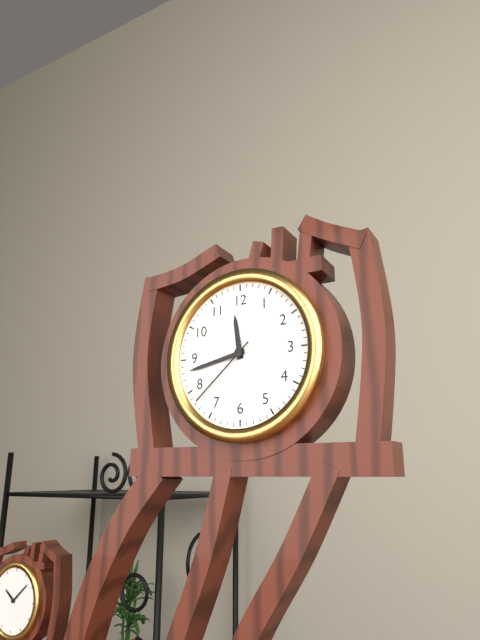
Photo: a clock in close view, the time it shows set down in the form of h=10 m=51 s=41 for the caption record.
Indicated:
h=11 m=43 s=38
